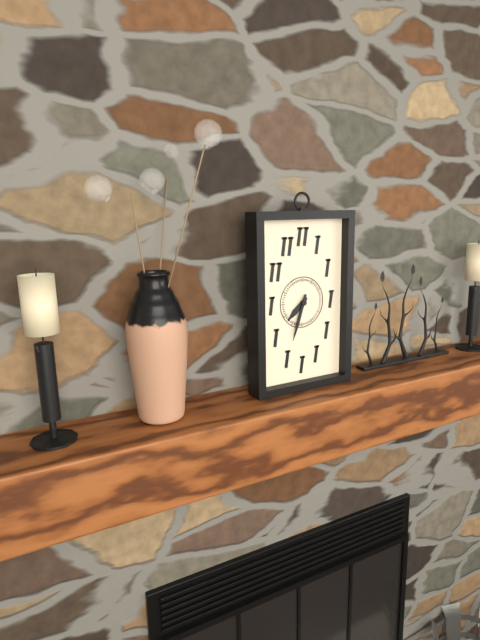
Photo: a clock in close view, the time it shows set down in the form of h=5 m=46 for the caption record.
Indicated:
h=7 m=33
